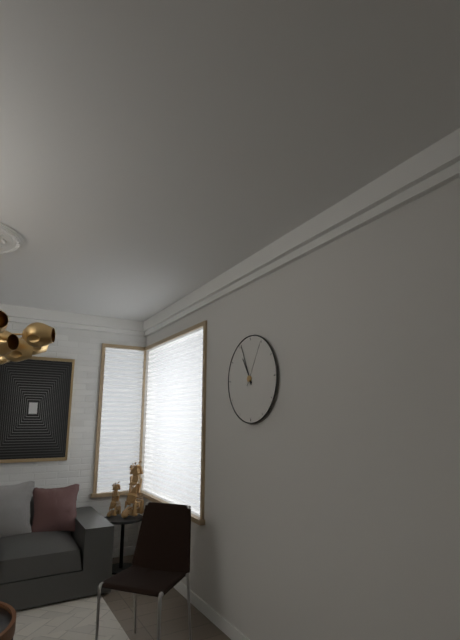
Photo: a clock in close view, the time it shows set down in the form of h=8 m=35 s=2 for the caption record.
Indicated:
h=10 m=56 s=5
